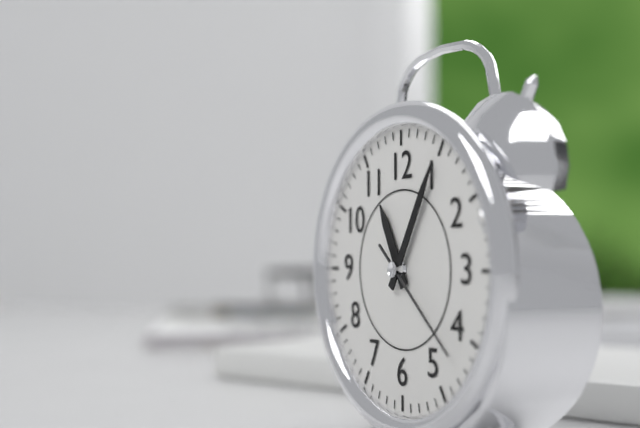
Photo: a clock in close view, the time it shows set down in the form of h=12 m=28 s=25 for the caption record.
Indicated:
h=11 m=5 s=22
